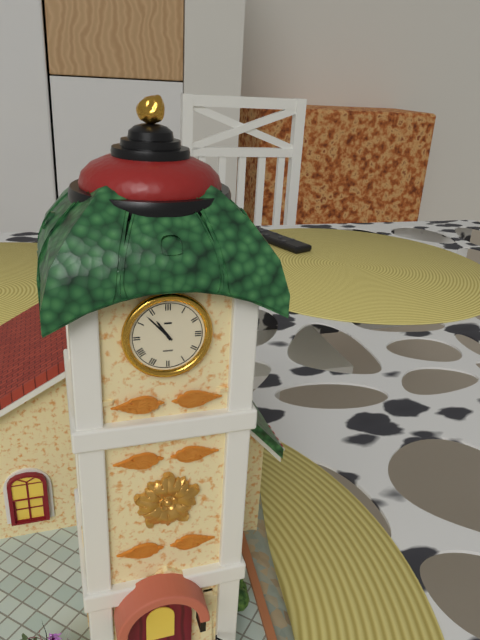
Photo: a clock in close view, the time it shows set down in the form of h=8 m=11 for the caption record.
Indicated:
h=10 m=53
